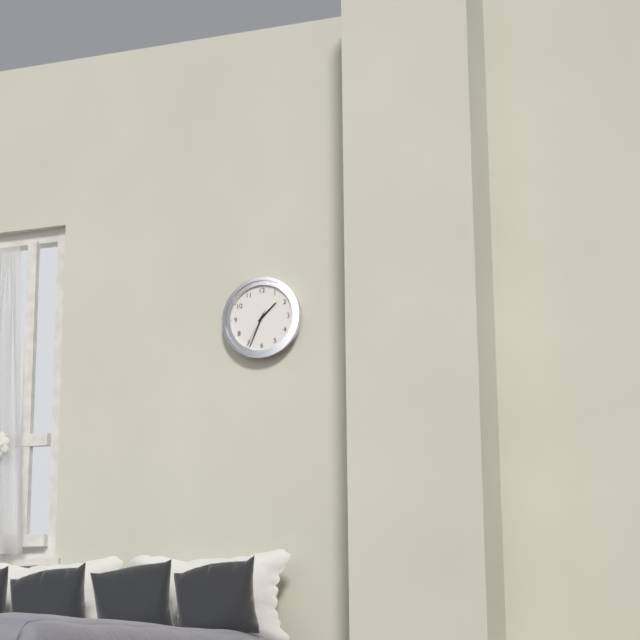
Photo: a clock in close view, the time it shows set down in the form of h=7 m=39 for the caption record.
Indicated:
h=1 m=34
